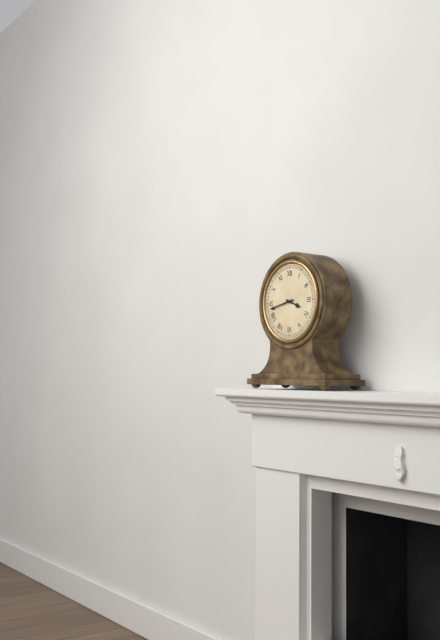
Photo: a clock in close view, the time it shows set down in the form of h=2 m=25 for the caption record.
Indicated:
h=3 m=43
